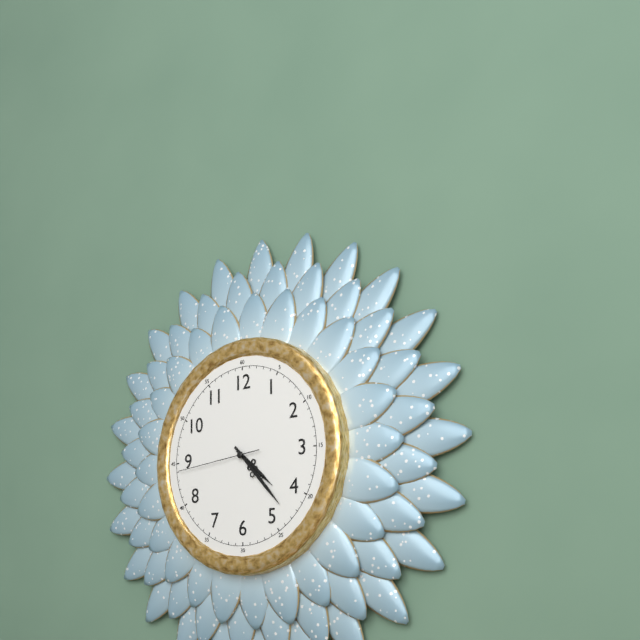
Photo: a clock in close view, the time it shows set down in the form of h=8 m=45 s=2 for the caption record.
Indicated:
h=4 m=23 s=44
